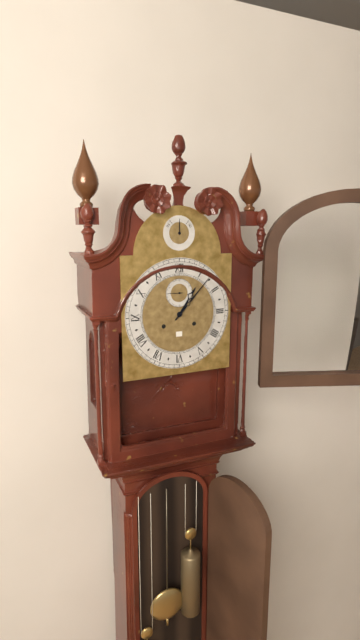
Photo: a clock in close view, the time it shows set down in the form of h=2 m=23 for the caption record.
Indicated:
h=1 m=7
